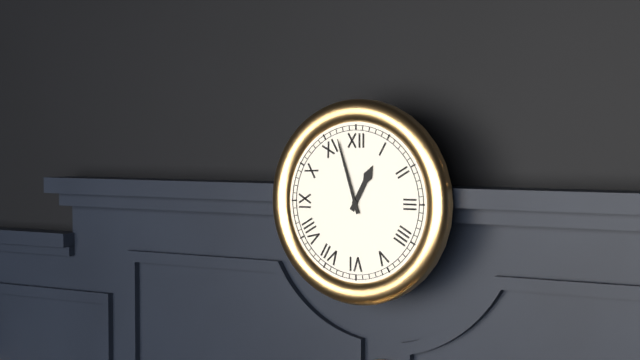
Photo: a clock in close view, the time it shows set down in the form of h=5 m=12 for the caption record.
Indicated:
h=12 m=57
